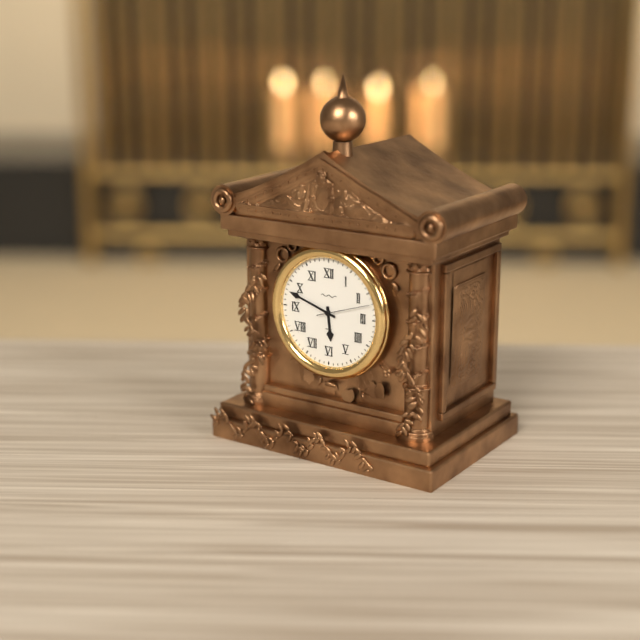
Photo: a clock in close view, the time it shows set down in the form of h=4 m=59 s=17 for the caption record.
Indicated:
h=5 m=48 s=12
